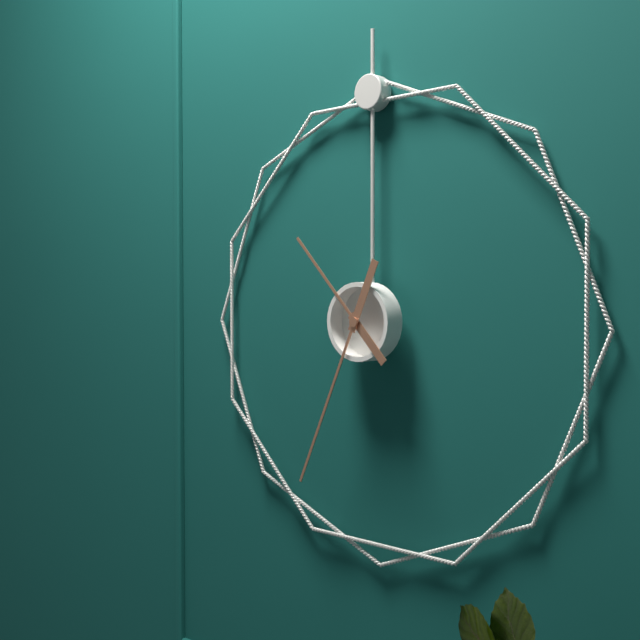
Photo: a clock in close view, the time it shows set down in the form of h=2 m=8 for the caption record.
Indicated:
h=10 m=34
